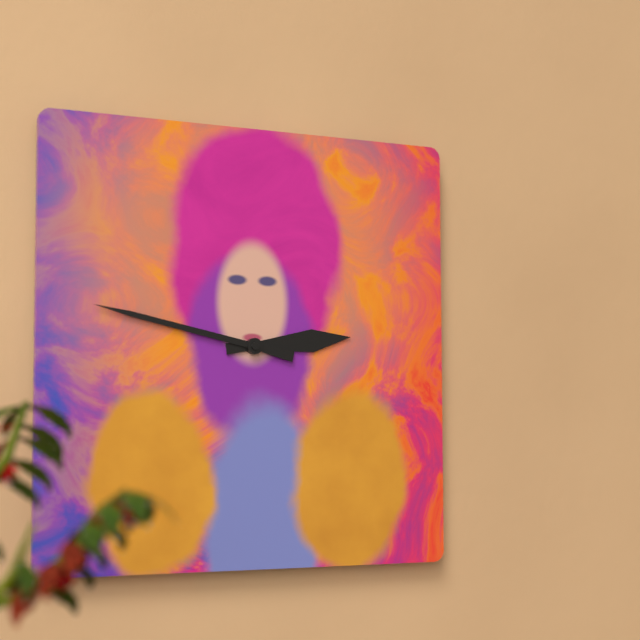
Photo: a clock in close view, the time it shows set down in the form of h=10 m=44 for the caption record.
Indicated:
h=2 m=47
